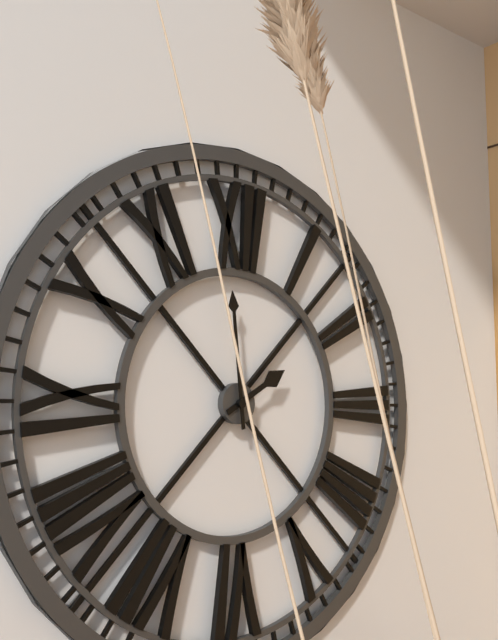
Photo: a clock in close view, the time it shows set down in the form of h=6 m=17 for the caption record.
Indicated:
h=1 m=59
